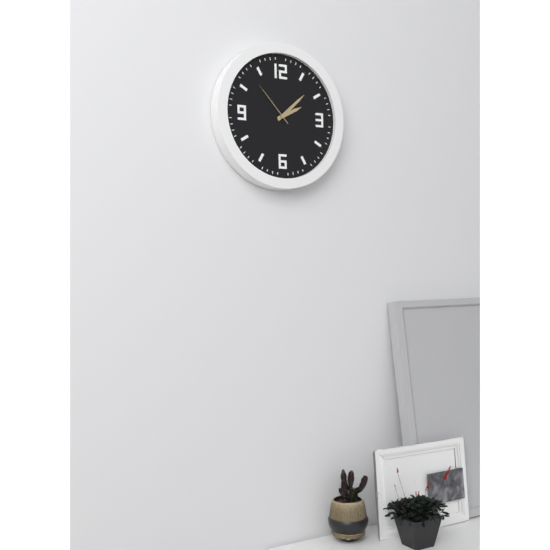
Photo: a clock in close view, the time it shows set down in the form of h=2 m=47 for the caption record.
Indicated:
h=2 m=8
